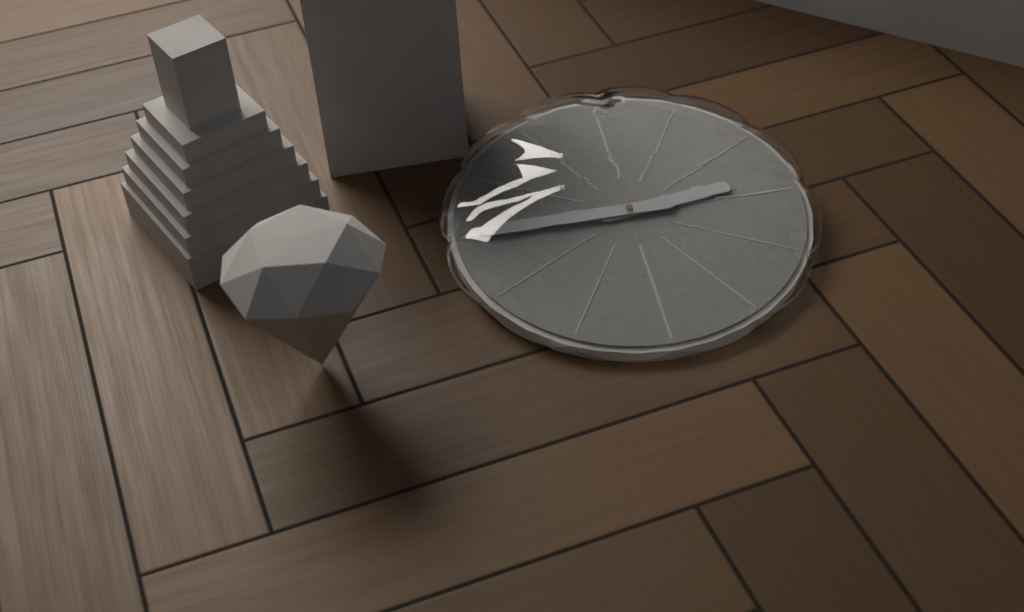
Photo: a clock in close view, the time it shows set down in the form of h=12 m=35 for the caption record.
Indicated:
h=2 m=45
